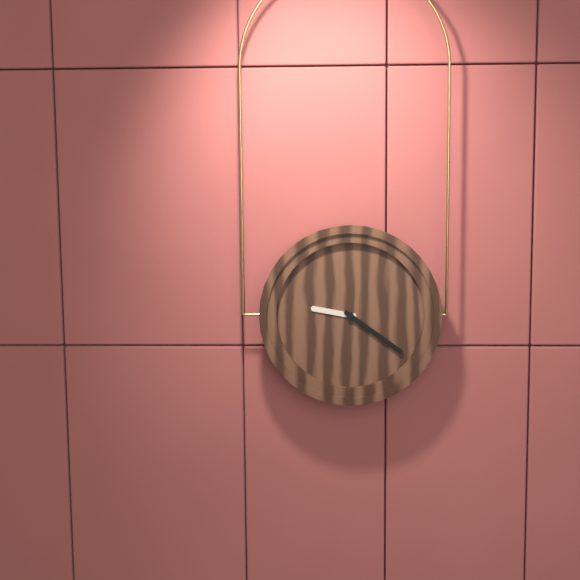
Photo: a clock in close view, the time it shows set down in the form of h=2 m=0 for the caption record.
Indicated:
h=9 m=21
